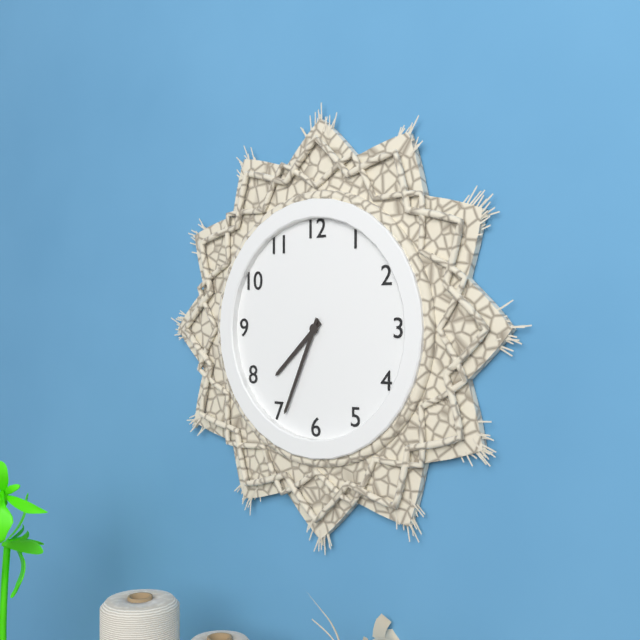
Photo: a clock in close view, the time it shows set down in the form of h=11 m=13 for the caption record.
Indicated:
h=7 m=34
